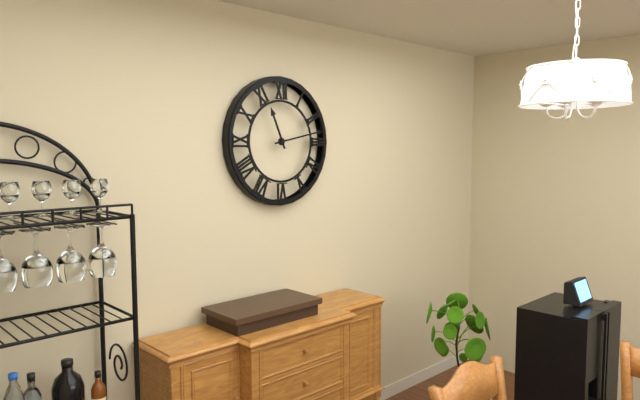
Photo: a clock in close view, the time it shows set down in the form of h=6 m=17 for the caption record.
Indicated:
h=11 m=13
